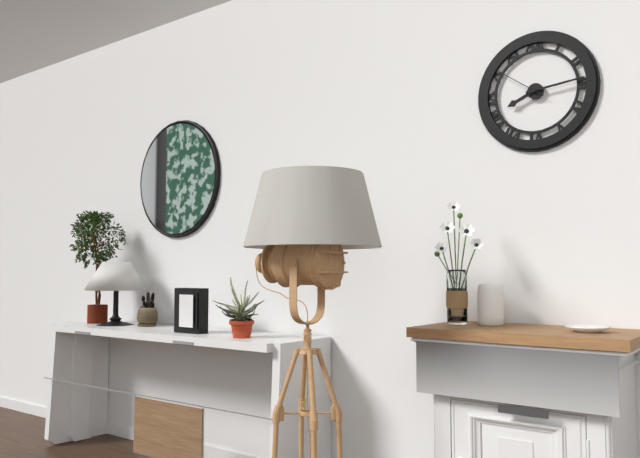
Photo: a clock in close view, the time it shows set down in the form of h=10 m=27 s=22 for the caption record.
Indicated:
h=8 m=14 s=51
